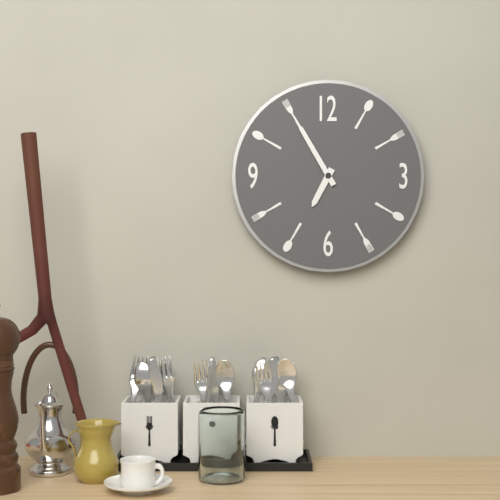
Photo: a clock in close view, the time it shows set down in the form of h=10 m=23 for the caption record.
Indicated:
h=6 m=55
